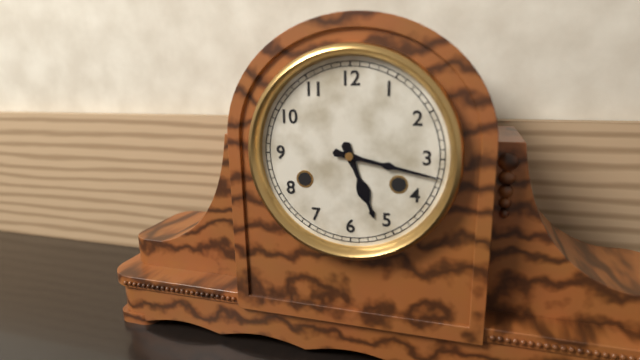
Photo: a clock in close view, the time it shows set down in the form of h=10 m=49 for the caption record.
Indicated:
h=5 m=17
